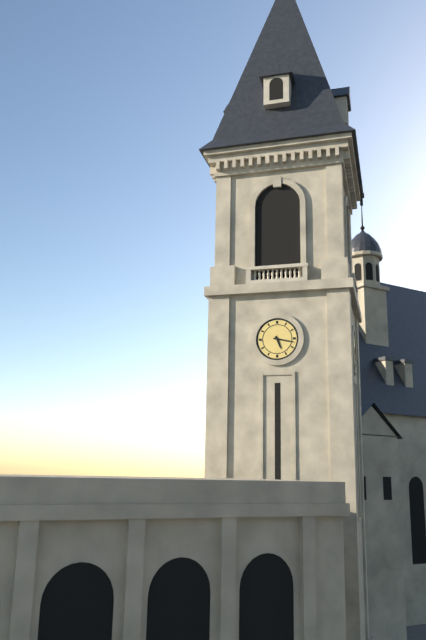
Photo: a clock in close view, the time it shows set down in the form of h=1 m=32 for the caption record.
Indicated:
h=5 m=17
